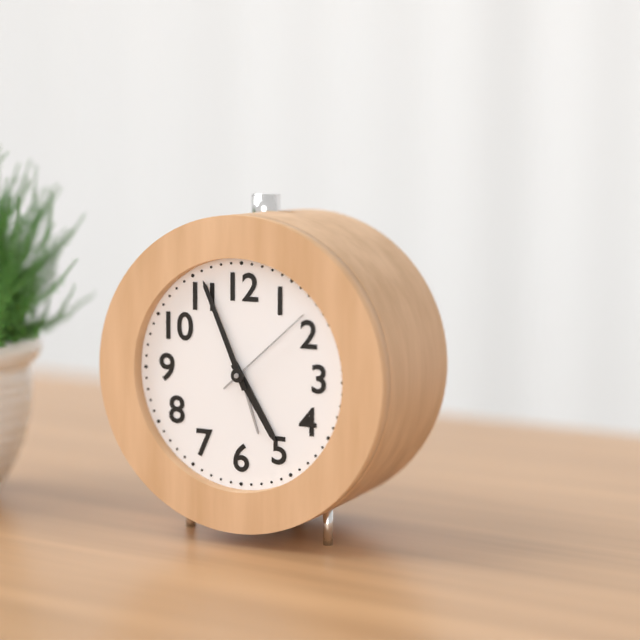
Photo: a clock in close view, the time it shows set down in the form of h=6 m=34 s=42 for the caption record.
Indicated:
h=4 m=56 s=8
